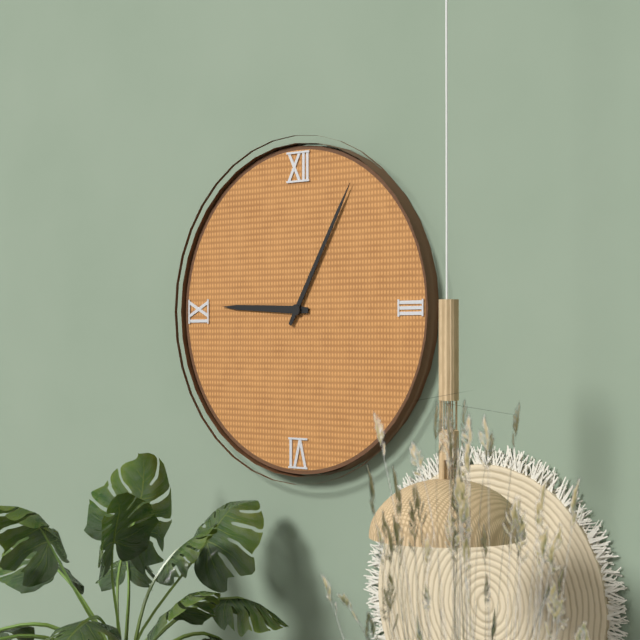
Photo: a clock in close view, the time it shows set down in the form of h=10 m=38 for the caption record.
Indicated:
h=9 m=5
